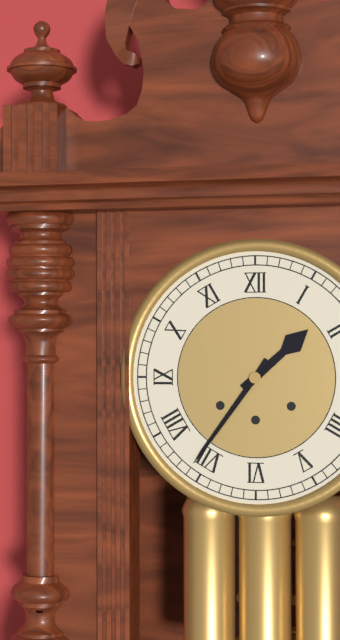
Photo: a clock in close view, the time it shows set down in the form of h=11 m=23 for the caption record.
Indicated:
h=1 m=36
